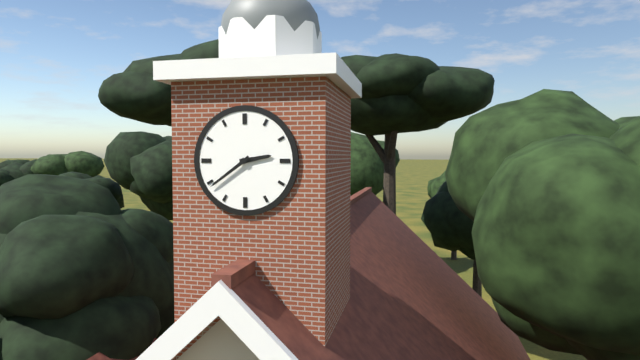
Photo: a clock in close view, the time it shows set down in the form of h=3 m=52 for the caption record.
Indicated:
h=2 m=39
